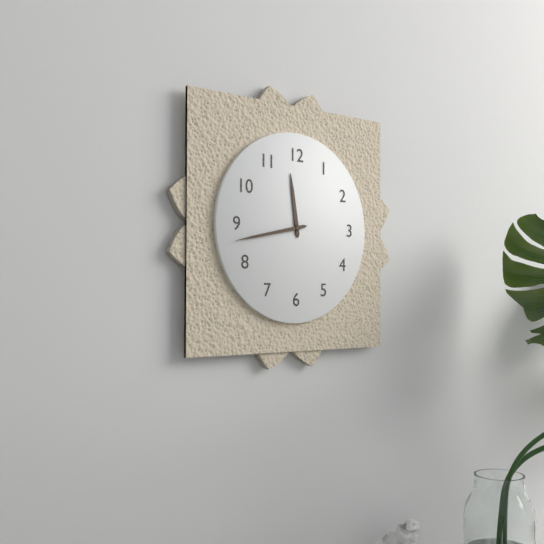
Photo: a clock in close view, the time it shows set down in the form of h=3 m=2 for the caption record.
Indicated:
h=11 m=43
